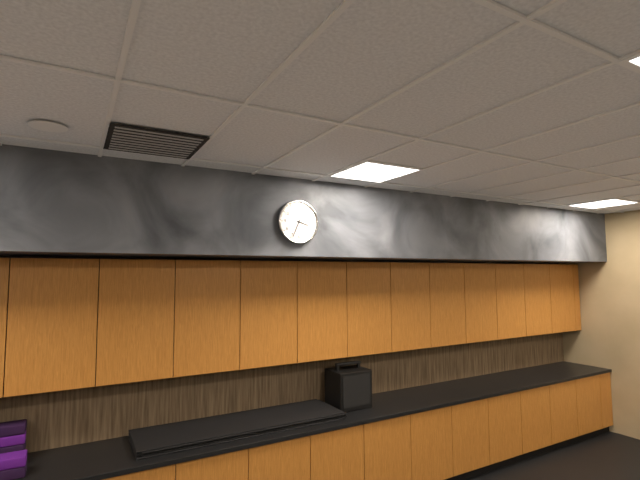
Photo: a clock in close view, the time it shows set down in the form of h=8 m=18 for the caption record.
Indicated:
h=3 m=34
